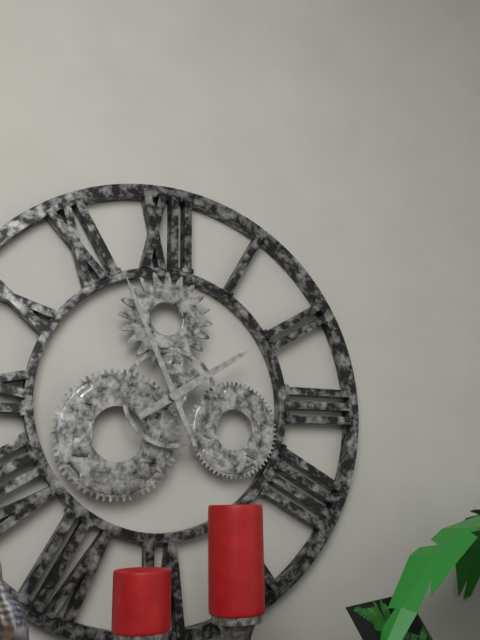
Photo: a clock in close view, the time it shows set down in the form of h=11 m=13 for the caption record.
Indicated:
h=1 m=56
